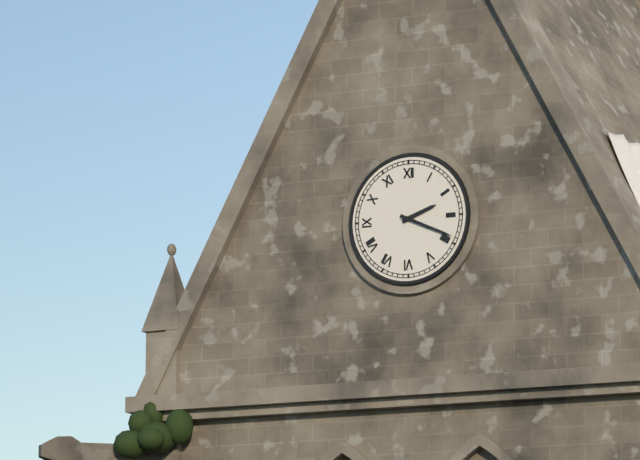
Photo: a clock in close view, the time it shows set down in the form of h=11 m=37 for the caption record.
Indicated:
h=2 m=19
